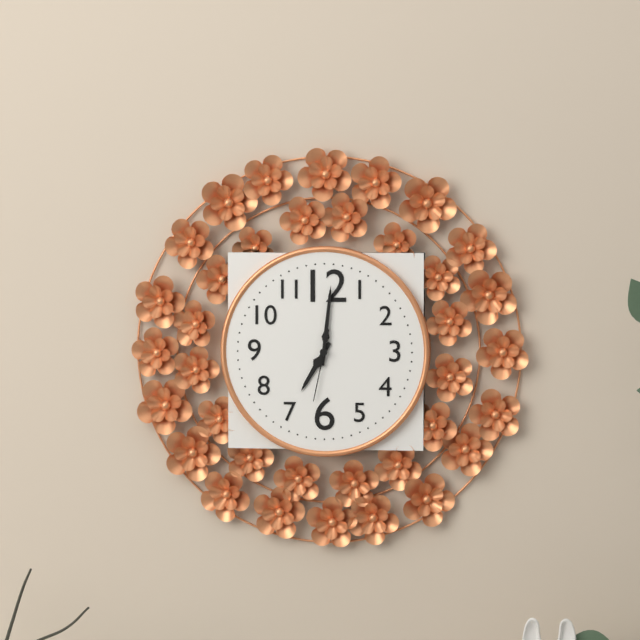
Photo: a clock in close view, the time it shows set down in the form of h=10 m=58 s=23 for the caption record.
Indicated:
h=7 m=1 s=32
